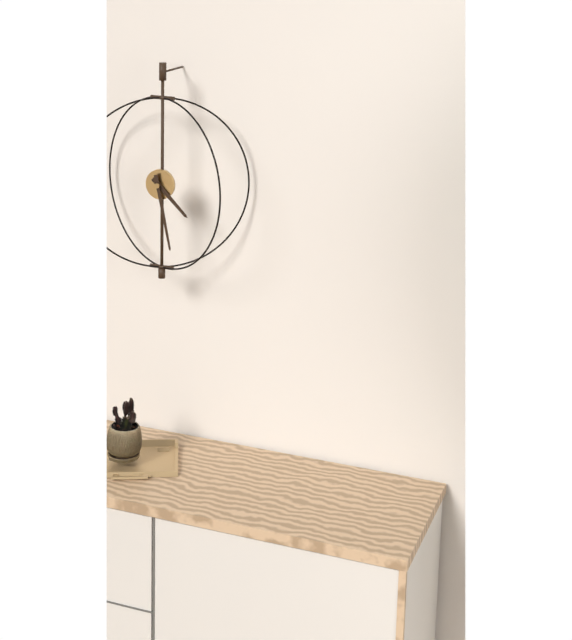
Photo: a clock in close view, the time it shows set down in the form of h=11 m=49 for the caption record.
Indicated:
h=4 m=28
